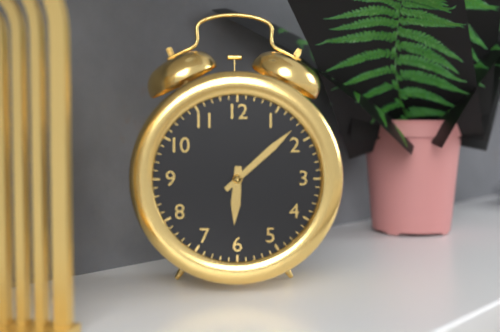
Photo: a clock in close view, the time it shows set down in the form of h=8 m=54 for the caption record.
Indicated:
h=6 m=8
